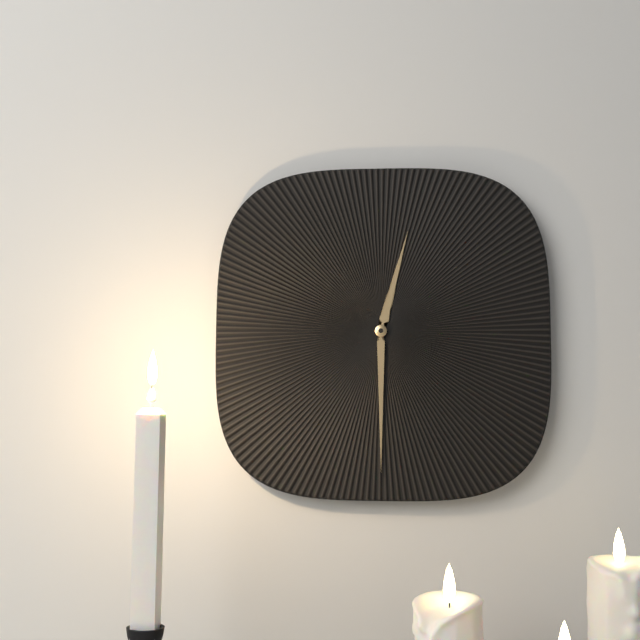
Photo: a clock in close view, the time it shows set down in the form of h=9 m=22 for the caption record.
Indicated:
h=12 m=30
